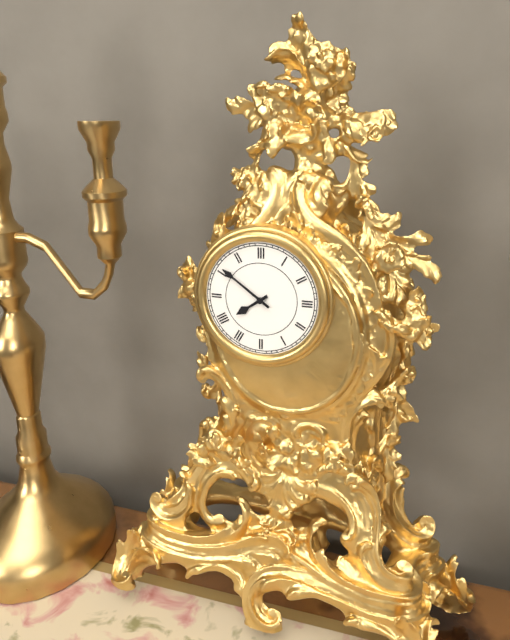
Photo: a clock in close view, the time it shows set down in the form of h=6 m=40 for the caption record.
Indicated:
h=7 m=51
